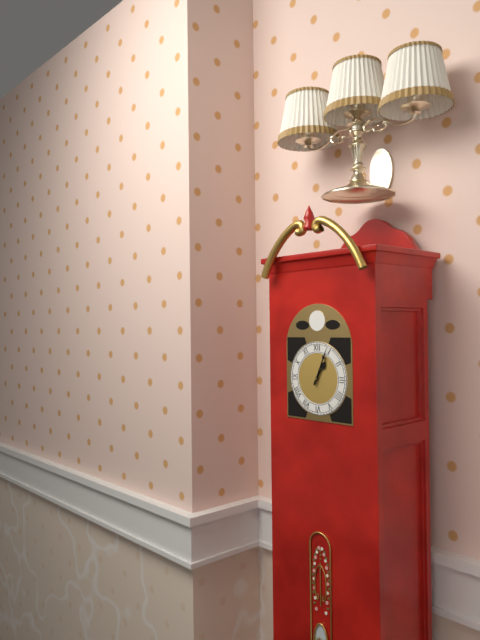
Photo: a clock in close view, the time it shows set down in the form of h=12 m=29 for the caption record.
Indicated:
h=1 m=4
